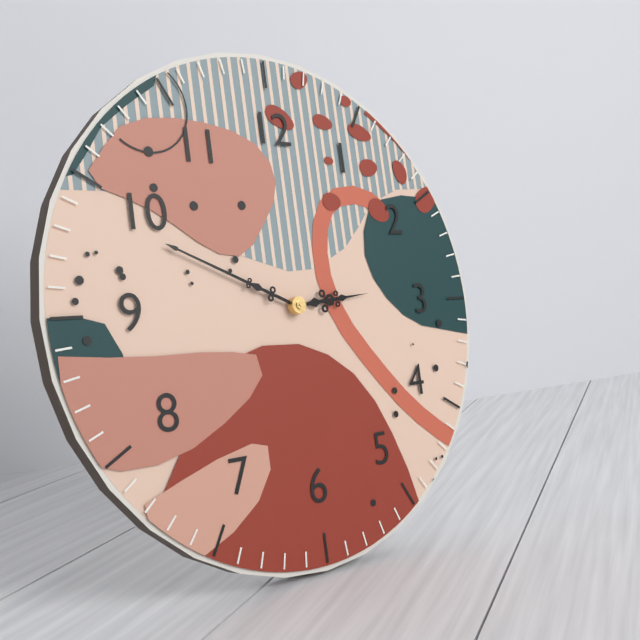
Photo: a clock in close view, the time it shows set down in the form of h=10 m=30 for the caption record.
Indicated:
h=2 m=49
